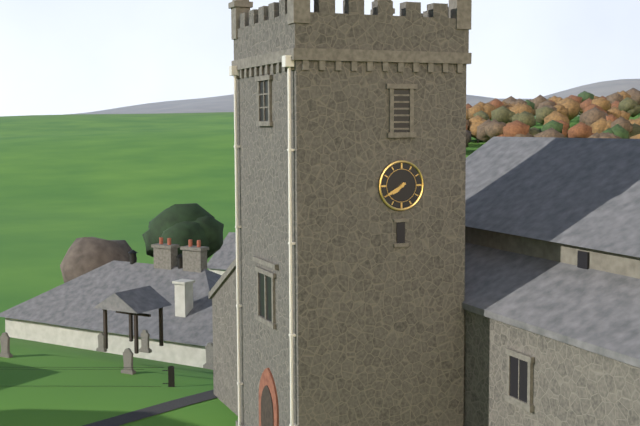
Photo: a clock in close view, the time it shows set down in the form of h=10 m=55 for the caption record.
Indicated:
h=7 m=40
